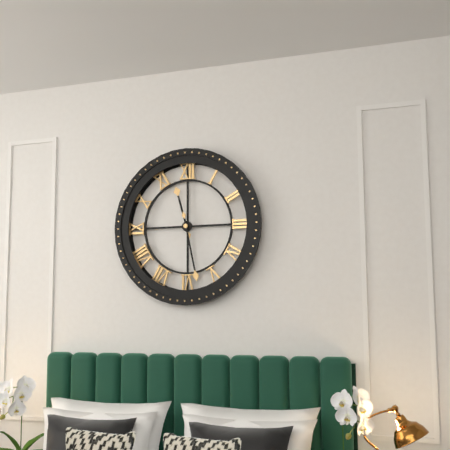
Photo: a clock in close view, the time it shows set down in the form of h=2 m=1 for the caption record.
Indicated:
h=11 m=28
